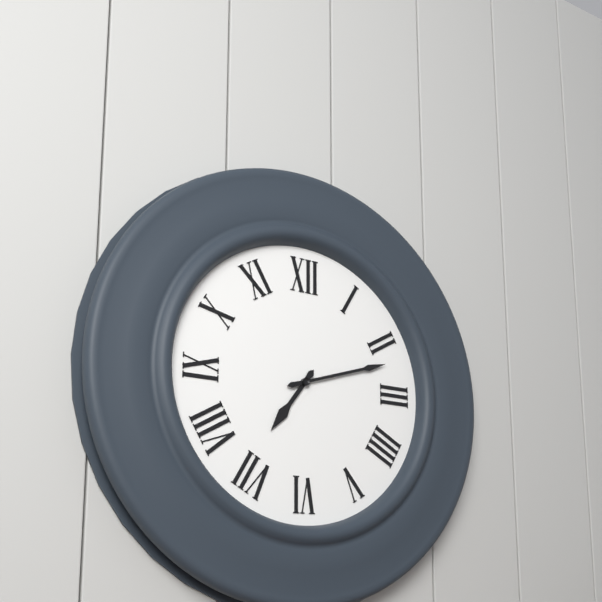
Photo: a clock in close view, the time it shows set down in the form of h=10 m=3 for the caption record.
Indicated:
h=7 m=12
